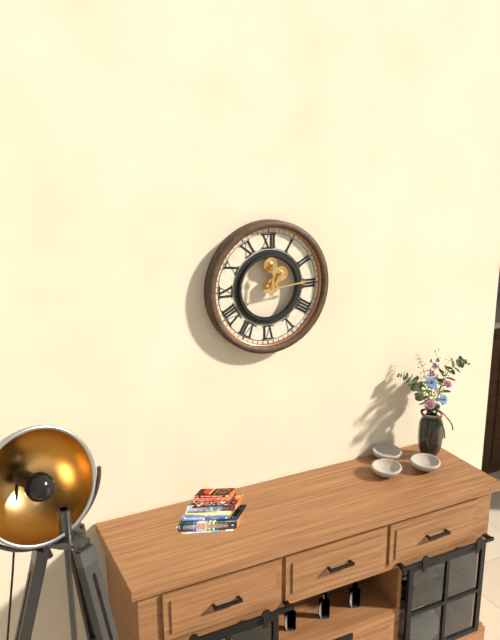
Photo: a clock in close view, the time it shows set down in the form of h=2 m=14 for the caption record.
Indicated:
h=12 m=14
